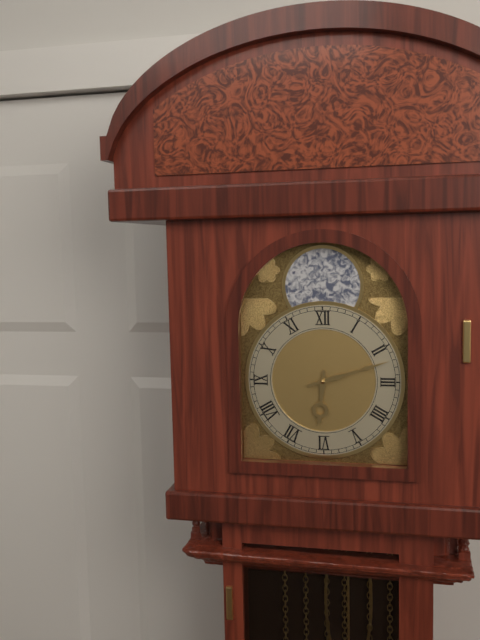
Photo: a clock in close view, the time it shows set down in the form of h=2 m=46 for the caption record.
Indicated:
h=6 m=12
